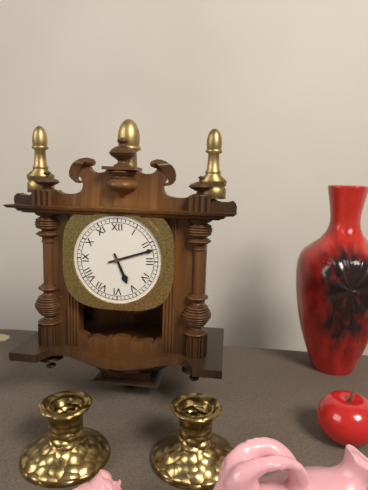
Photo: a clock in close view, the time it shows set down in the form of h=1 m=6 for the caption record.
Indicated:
h=5 m=12
